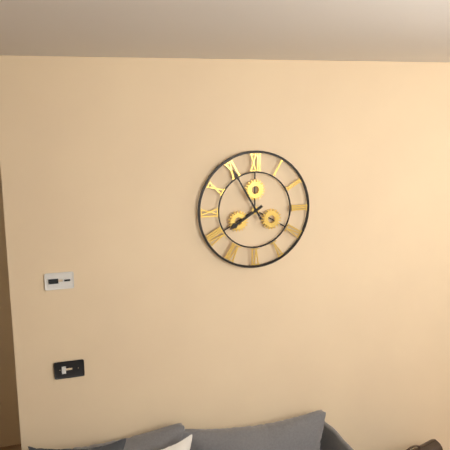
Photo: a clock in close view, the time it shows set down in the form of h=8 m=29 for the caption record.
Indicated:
h=7 m=55
